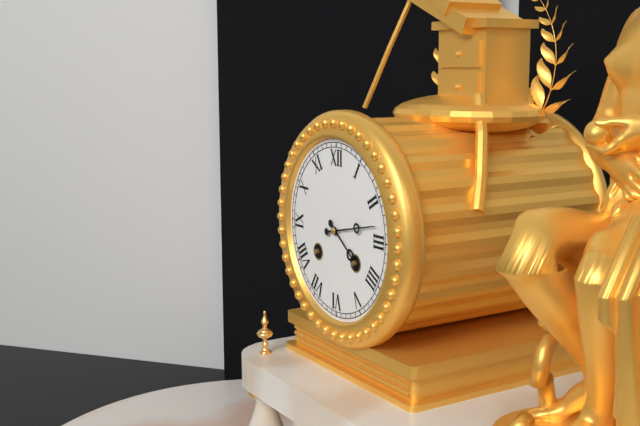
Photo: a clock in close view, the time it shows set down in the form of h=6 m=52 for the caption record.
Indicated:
h=4 m=13
